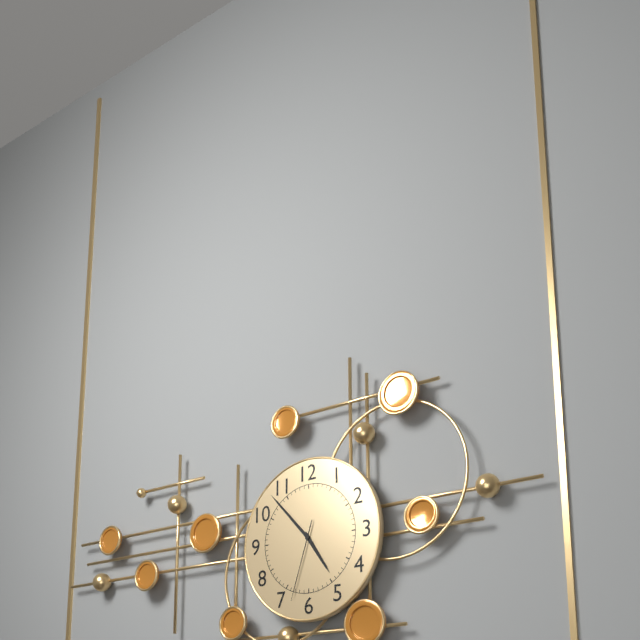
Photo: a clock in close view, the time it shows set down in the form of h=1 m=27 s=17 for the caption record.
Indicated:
h=4 m=53 s=33
